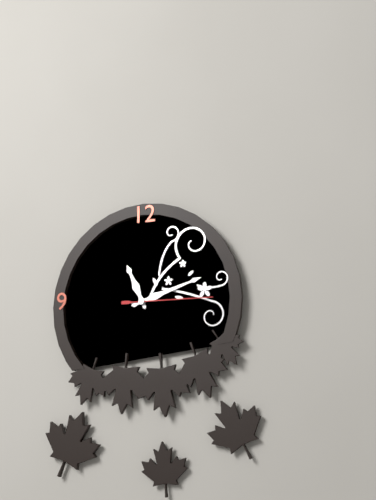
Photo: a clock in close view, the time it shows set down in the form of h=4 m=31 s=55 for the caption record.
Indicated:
h=11 m=12 s=15
